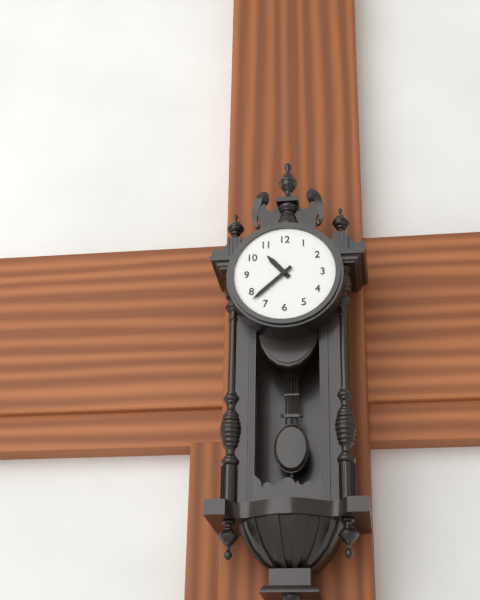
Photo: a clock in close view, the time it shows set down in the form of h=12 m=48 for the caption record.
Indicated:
h=10 m=38
